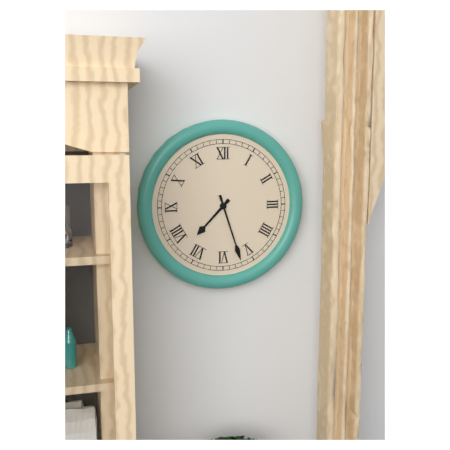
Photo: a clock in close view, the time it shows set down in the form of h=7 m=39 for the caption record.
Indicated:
h=7 m=27
